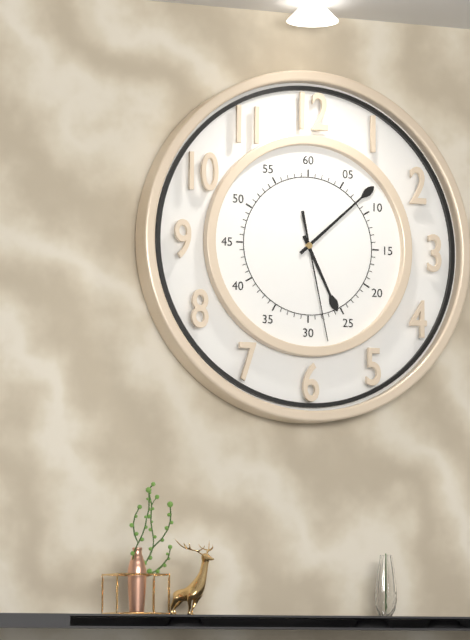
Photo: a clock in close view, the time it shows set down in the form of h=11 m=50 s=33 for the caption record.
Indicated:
h=5 m=8 s=28
